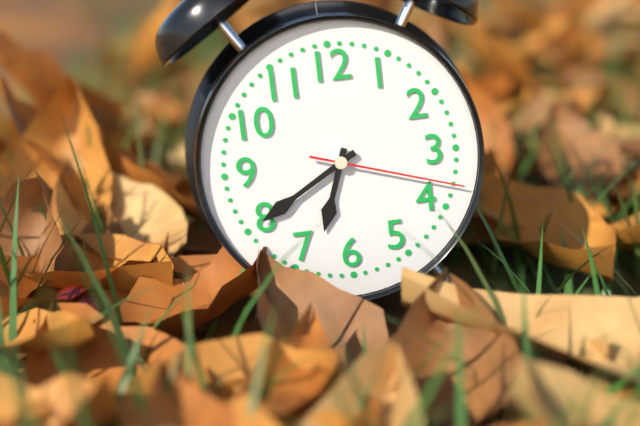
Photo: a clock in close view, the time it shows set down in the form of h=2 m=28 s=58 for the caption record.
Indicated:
h=6 m=40 s=18
